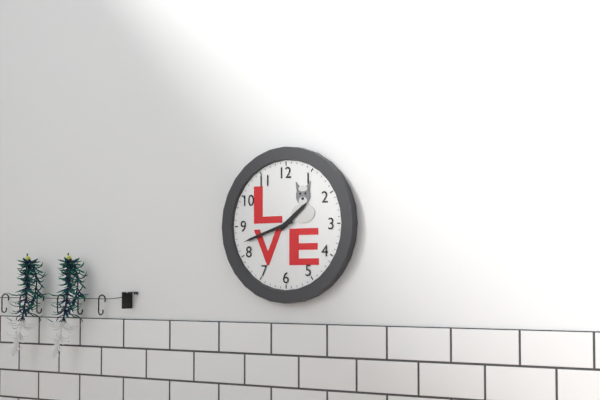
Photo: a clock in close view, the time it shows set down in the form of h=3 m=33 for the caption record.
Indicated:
h=1 m=42
